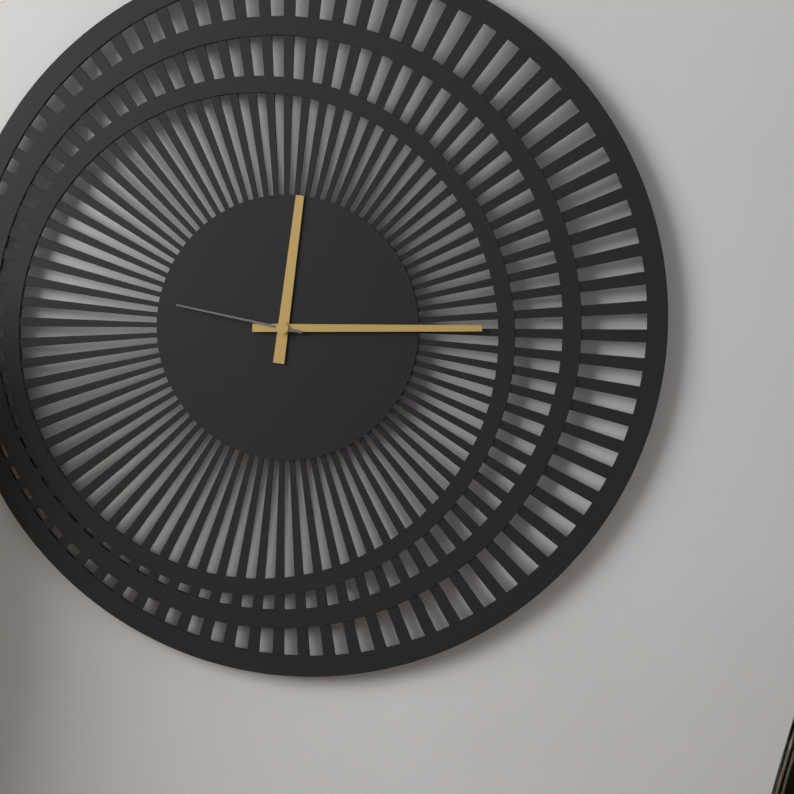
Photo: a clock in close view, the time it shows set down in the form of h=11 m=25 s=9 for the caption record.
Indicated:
h=12 m=15 s=47
